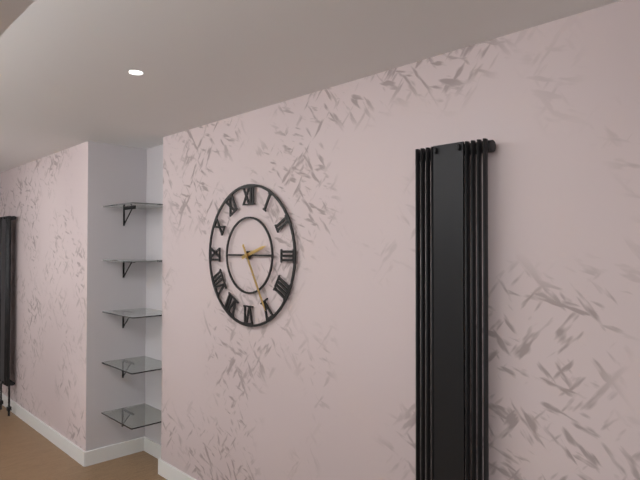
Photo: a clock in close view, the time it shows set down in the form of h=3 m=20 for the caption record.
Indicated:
h=2 m=25
